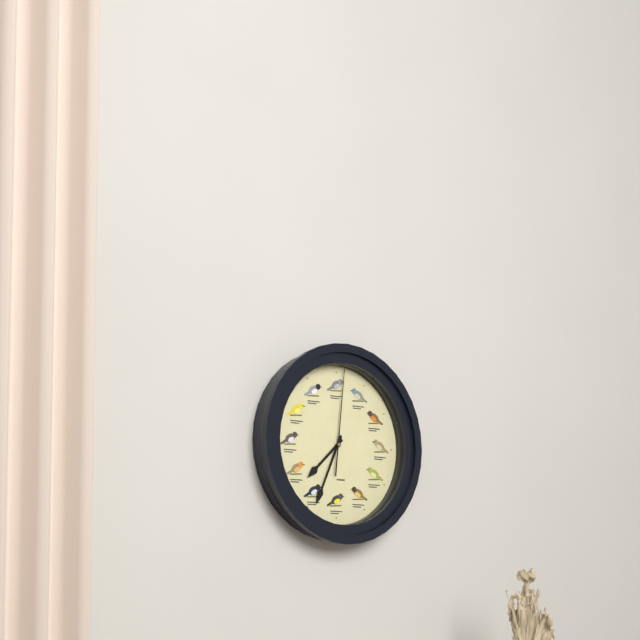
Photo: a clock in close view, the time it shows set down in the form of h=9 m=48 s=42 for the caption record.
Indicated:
h=7 m=34 s=1
